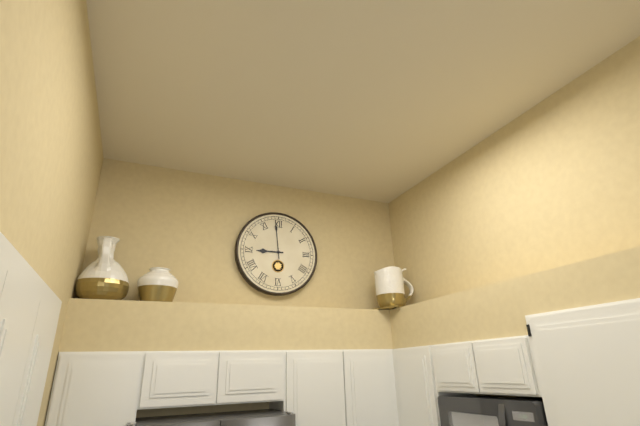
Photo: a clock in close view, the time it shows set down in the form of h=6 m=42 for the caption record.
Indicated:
h=8 m=59
